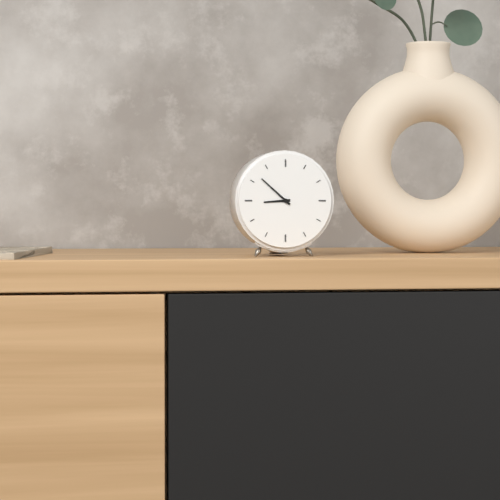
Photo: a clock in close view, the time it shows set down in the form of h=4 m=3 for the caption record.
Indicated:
h=8 m=52
